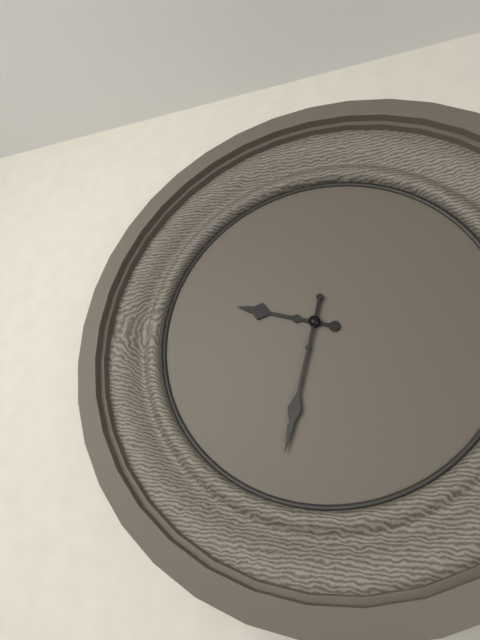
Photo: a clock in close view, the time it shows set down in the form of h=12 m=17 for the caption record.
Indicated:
h=9 m=32
